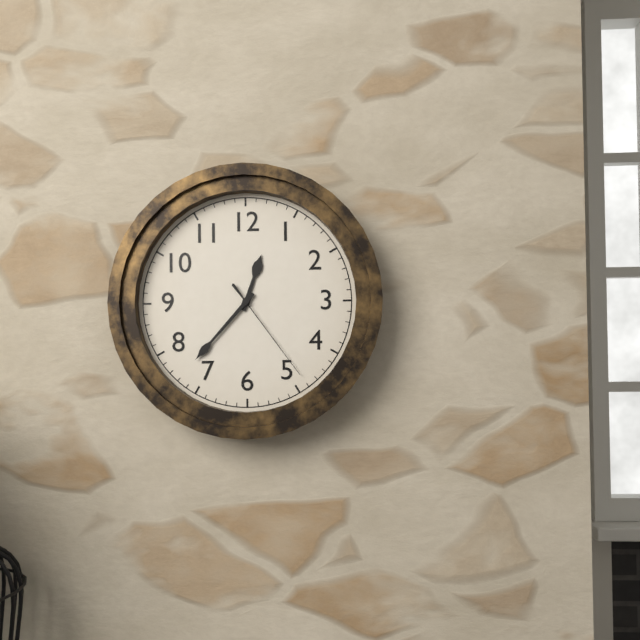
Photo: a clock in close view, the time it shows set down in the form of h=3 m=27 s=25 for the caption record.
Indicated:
h=12 m=37 s=24
